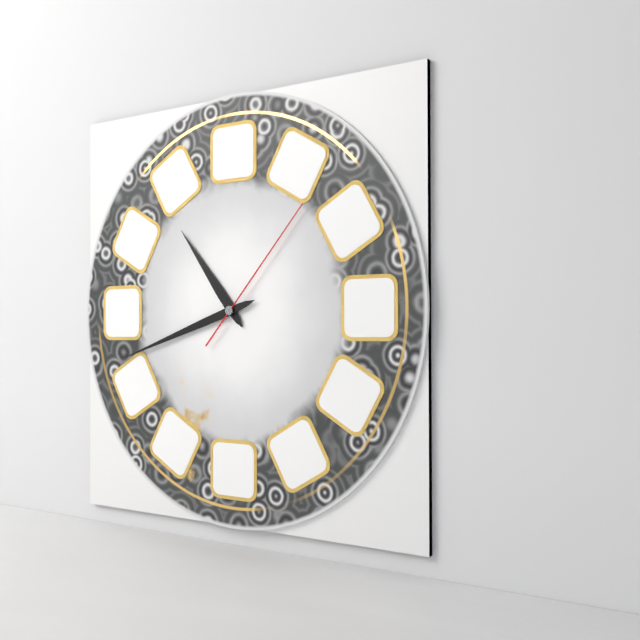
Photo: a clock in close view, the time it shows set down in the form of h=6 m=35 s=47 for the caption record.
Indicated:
h=10 m=42 s=7
